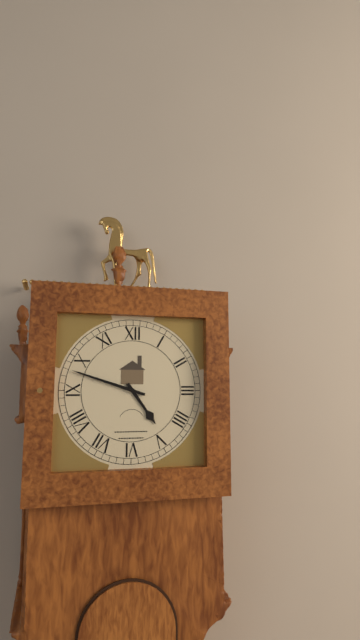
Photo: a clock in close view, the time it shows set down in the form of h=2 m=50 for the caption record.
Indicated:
h=4 m=48
